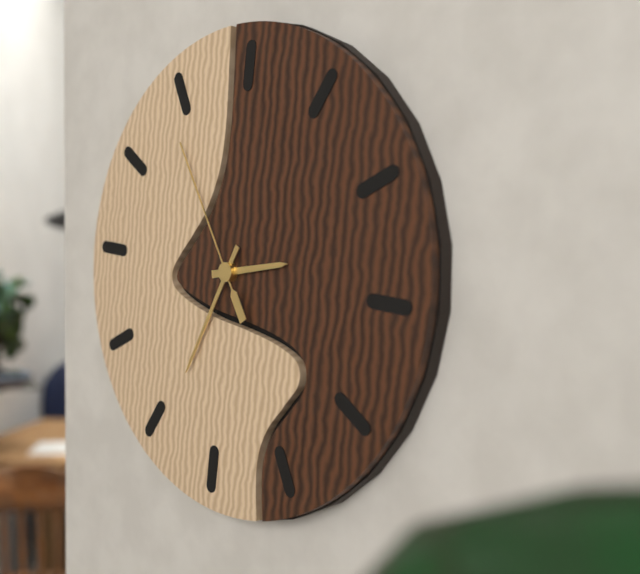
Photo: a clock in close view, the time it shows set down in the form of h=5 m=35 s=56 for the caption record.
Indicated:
h=2 m=34 s=54
